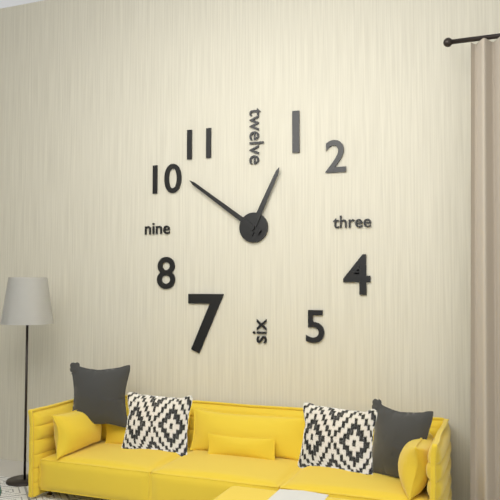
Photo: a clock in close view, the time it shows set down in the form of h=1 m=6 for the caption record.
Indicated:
h=12 m=51
